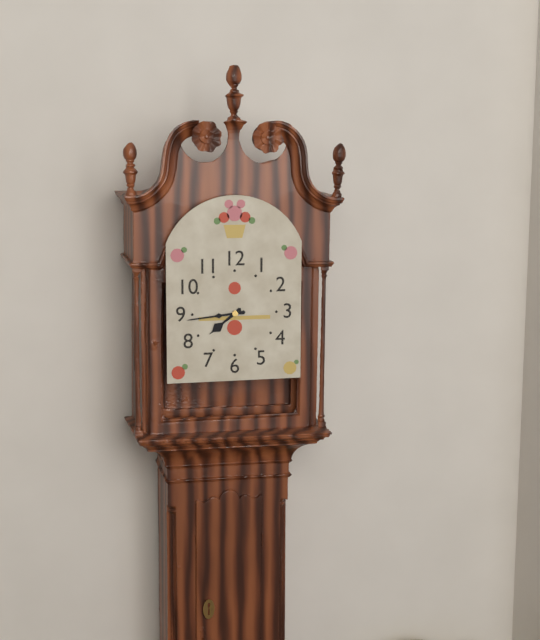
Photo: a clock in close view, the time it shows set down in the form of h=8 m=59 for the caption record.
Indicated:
h=7 m=44
